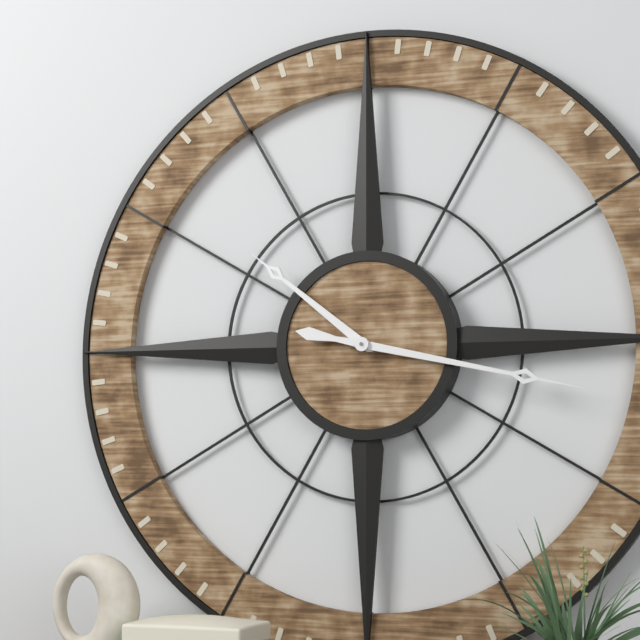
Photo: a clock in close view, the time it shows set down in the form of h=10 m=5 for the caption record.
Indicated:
h=10 m=17
